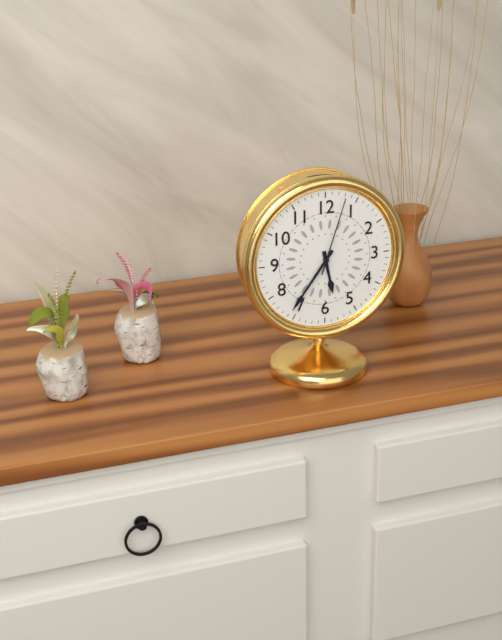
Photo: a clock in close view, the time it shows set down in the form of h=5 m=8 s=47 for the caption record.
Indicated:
h=5 m=36 s=3
